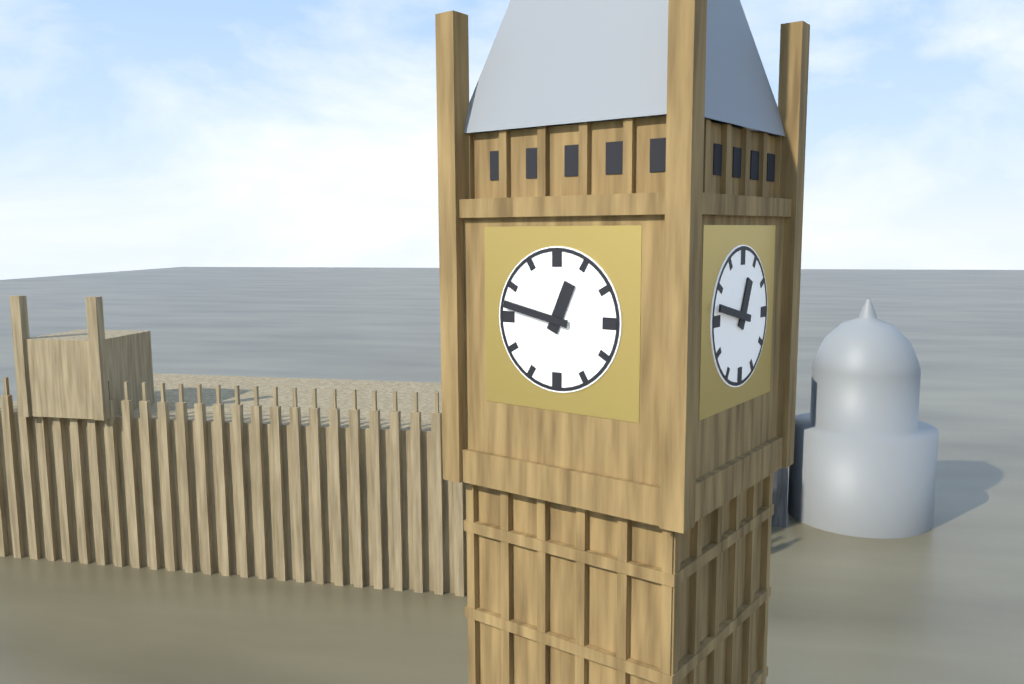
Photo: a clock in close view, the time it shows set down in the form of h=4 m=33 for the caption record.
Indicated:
h=12 m=47
